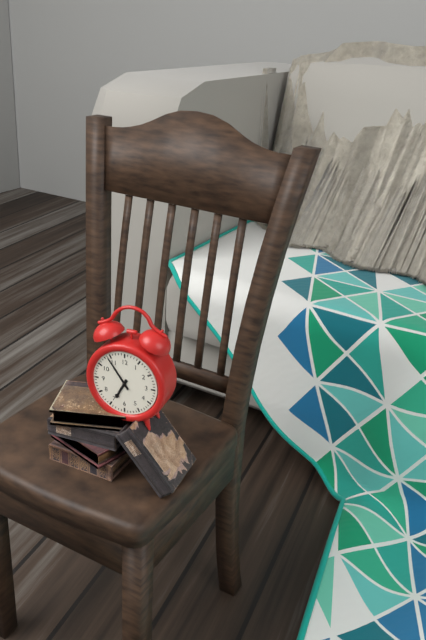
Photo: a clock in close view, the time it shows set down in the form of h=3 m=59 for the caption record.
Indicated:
h=6 m=54
